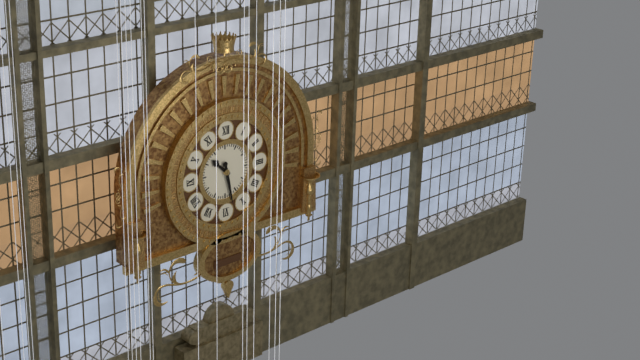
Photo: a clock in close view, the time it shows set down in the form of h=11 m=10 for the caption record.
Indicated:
h=10 m=28
